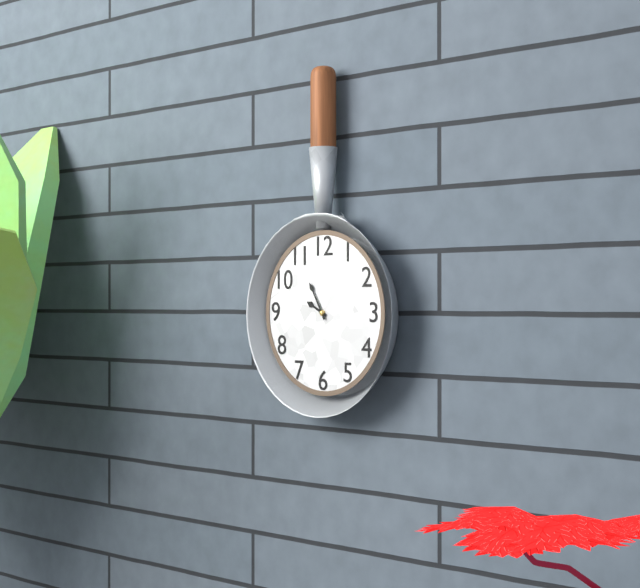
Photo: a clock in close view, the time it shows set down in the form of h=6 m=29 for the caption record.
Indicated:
h=9 m=55
